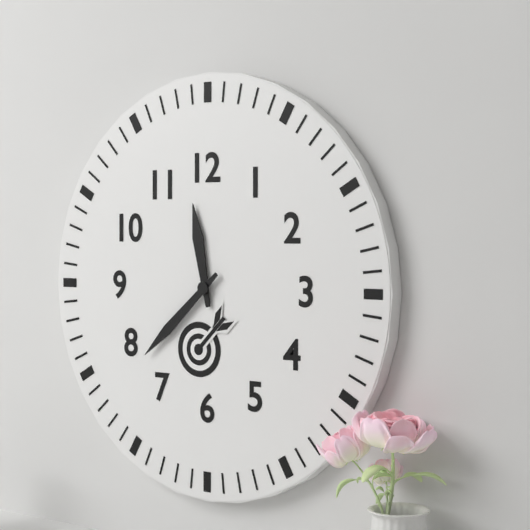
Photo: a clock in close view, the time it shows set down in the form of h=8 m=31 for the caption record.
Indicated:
h=11 m=38
